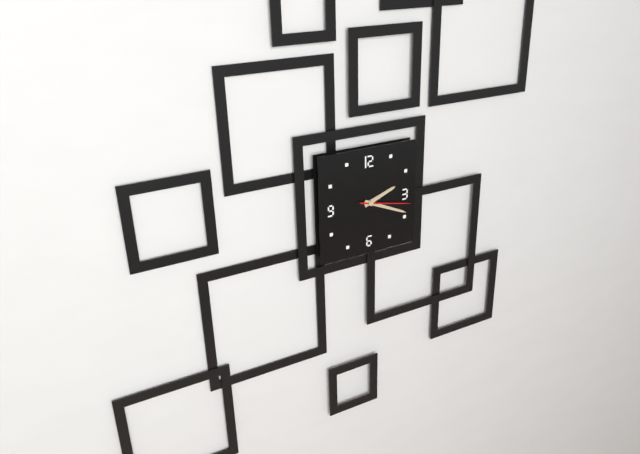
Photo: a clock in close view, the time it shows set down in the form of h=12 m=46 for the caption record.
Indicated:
h=2 m=19
